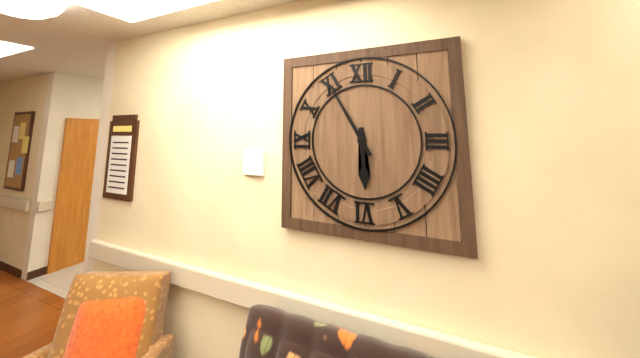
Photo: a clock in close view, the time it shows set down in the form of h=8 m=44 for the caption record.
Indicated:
h=5 m=55
